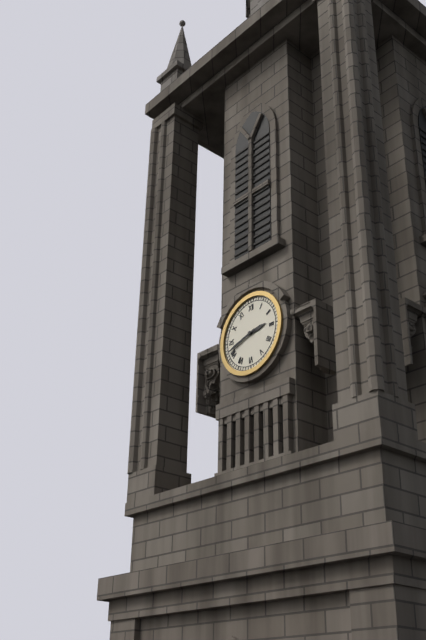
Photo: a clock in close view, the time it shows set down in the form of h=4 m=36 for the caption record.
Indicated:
h=2 m=42
